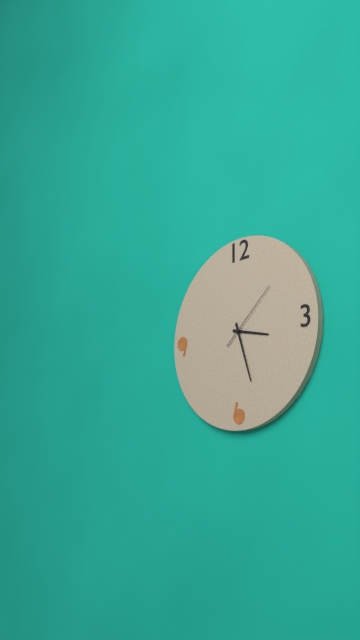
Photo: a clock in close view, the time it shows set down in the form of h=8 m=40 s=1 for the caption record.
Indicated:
h=3 m=27 s=8
